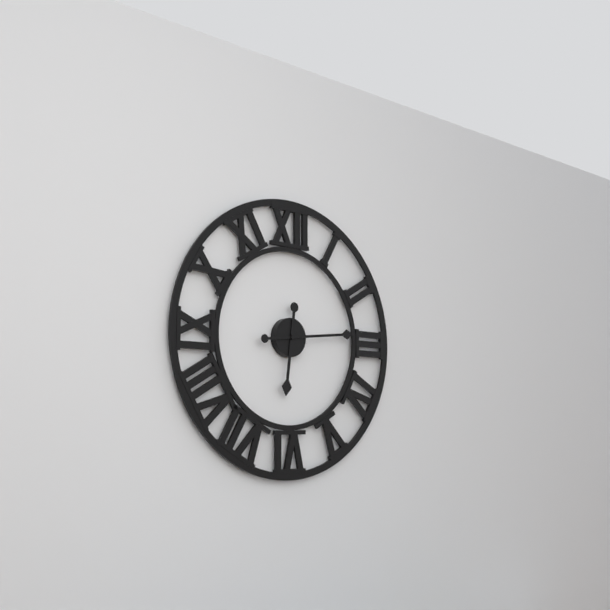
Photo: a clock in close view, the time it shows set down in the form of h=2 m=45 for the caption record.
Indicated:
h=6 m=14
